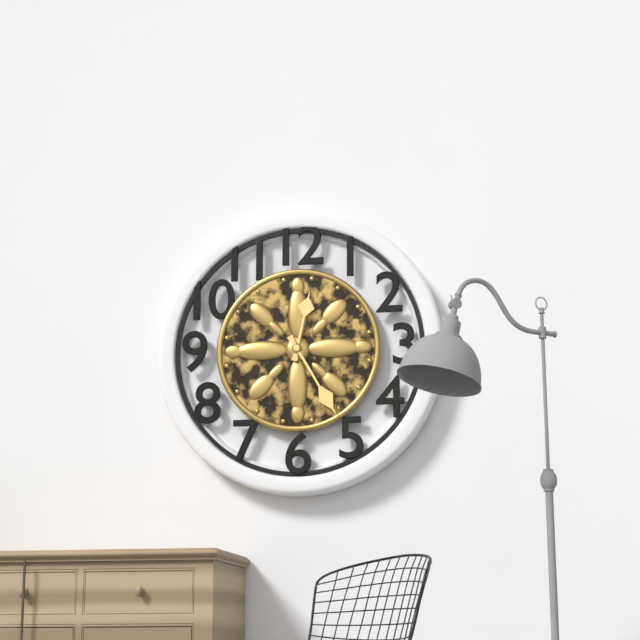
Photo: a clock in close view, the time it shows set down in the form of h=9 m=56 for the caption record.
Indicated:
h=12 m=25
